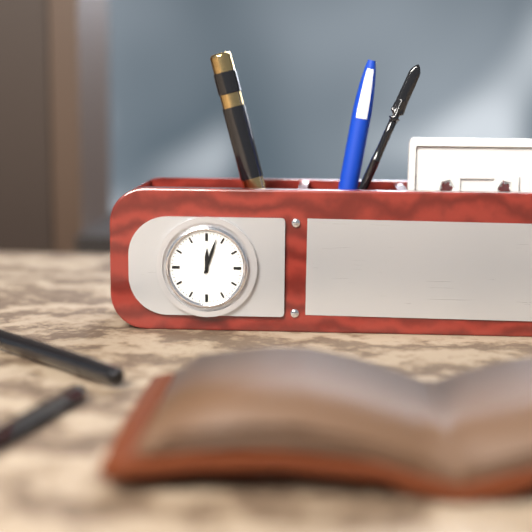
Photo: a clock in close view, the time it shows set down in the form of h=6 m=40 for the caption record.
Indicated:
h=12 m=3
